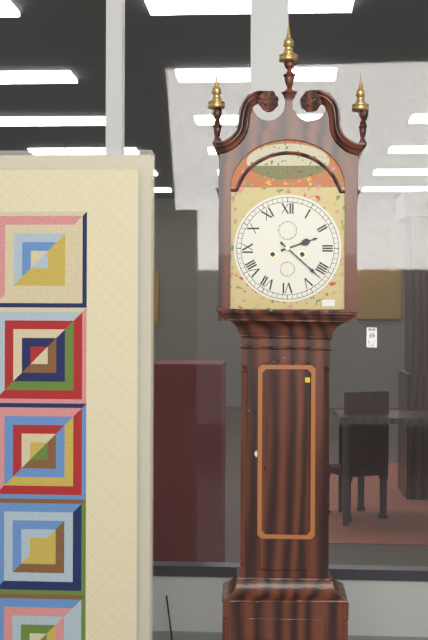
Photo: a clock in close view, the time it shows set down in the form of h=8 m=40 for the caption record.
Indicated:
h=2 m=22
